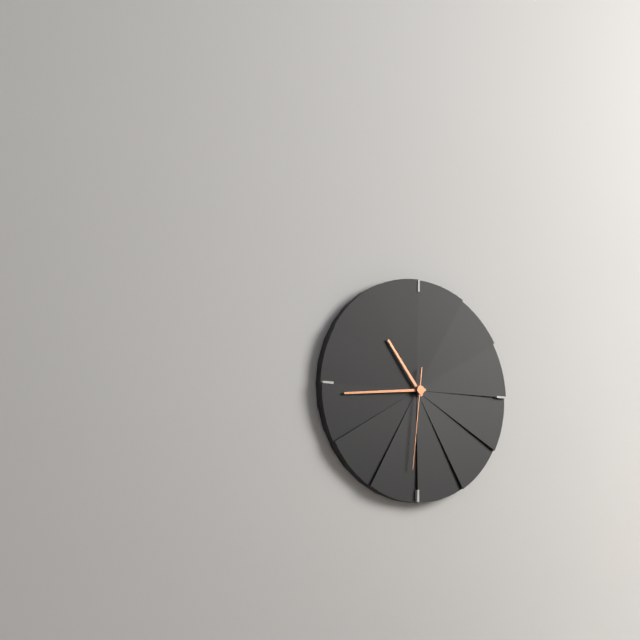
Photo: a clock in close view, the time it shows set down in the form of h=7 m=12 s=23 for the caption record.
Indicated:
h=10 m=44 s=31
